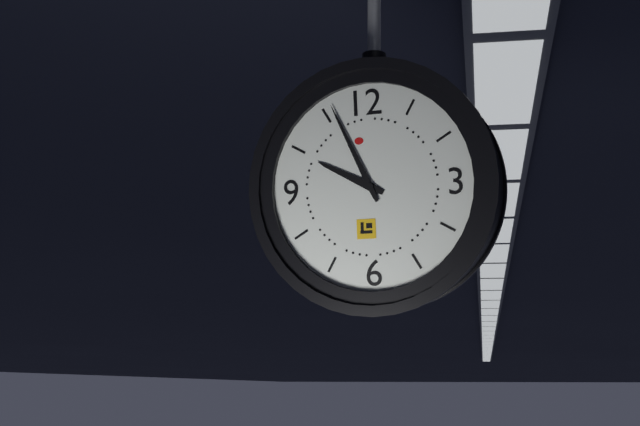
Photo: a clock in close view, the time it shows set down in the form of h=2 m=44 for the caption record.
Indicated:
h=9 m=56
